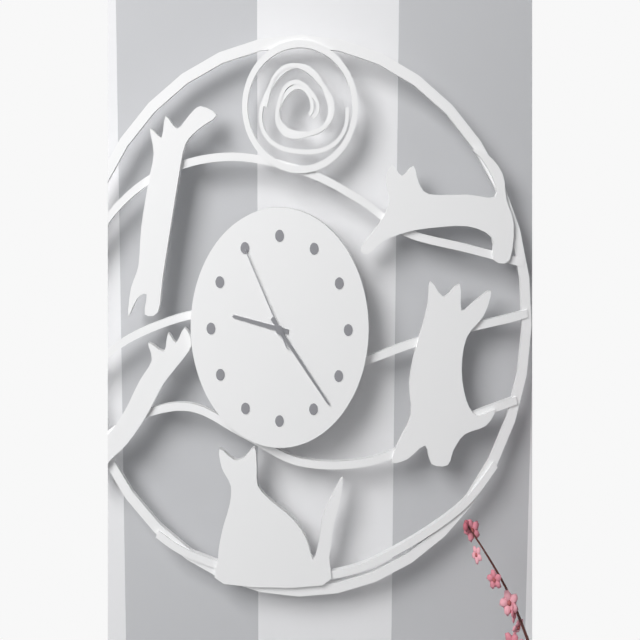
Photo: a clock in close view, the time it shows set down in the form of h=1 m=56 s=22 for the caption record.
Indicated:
h=9 m=23 s=55
